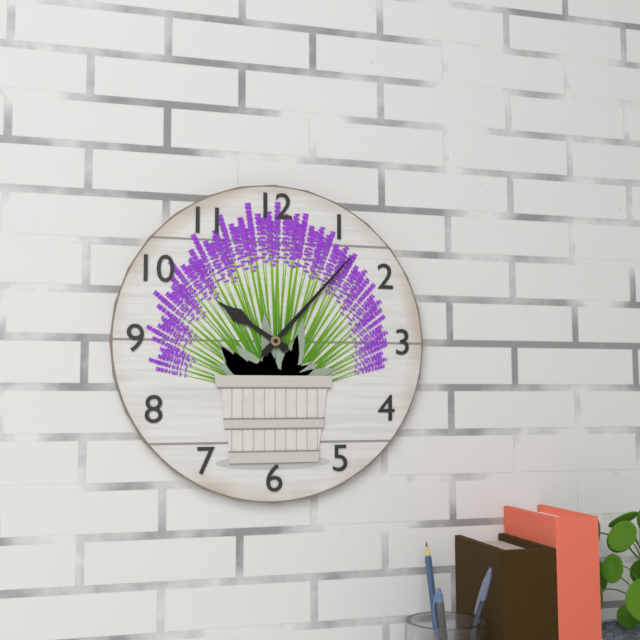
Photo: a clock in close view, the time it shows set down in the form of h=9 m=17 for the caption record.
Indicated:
h=10 m=7
